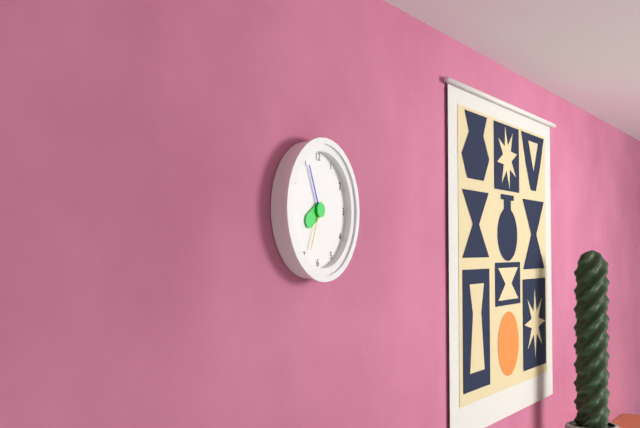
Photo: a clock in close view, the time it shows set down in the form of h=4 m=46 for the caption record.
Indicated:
h=7 m=56
